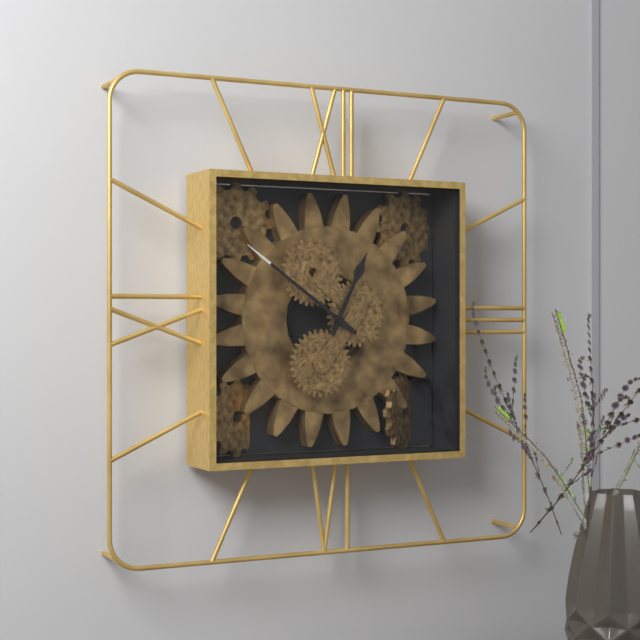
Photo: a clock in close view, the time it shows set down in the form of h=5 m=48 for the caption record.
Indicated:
h=12 m=51
